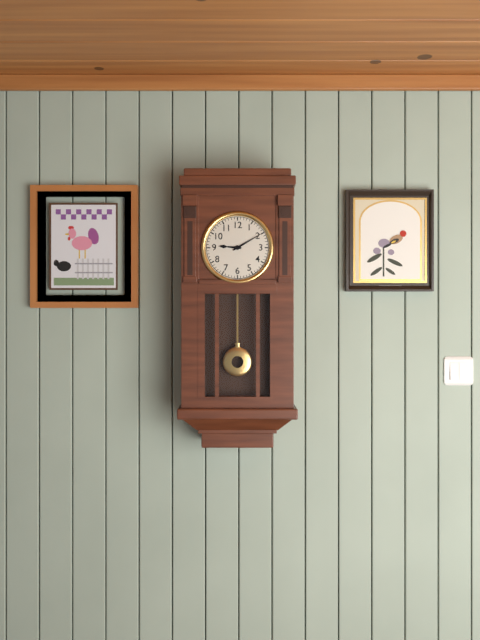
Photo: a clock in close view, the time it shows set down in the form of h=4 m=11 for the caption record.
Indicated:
h=9 m=10
